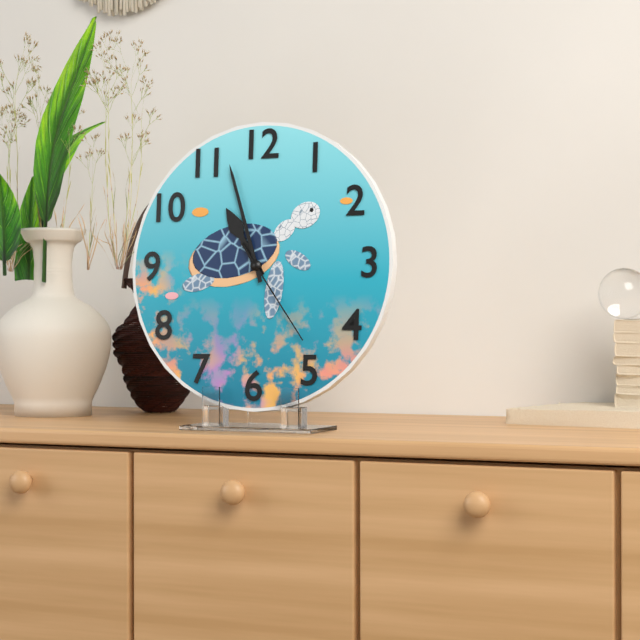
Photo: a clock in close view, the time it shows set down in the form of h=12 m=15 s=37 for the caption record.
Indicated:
h=10 m=57 s=24
